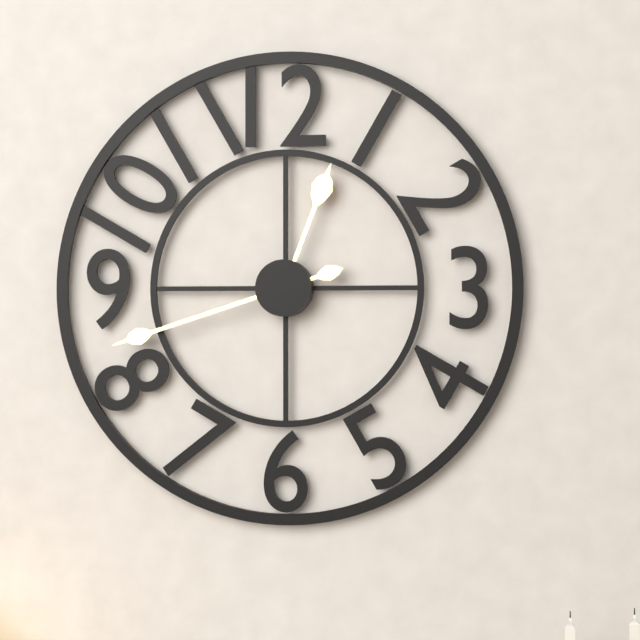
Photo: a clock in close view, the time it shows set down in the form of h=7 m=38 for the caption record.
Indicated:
h=12 m=42
